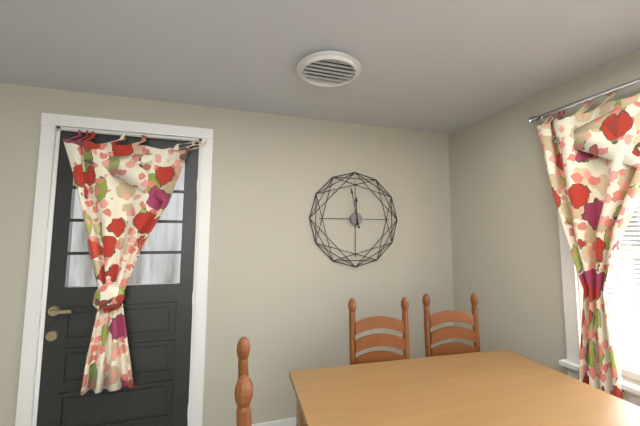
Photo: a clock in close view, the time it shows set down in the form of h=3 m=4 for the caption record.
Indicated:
h=11 m=58
